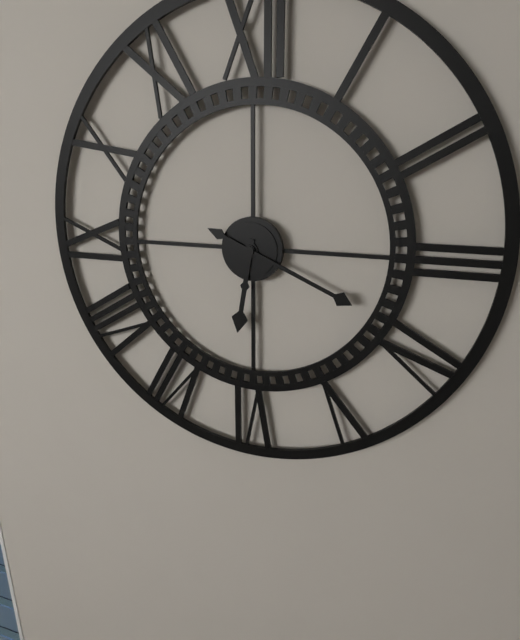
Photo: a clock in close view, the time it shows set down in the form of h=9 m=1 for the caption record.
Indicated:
h=6 m=19
